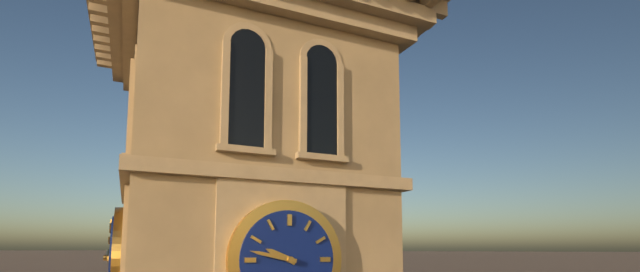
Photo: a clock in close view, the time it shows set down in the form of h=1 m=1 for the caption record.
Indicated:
h=9 m=47
